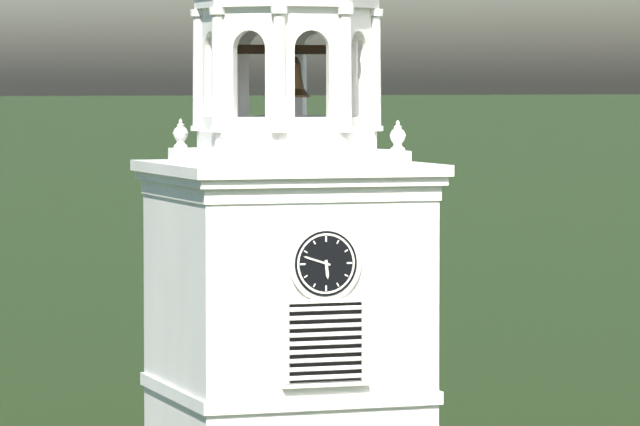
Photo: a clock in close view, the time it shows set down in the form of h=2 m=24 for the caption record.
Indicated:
h=5 m=48
